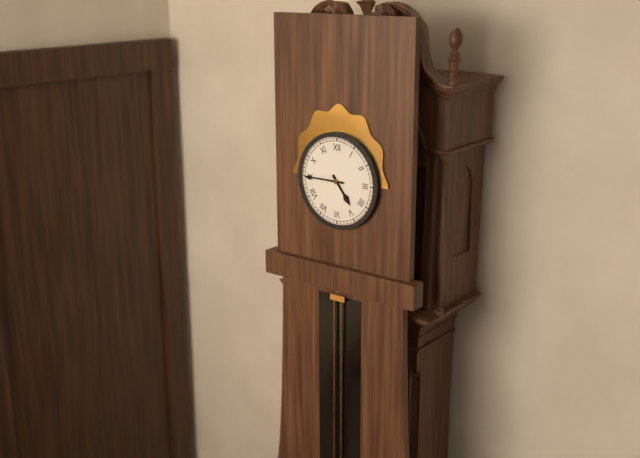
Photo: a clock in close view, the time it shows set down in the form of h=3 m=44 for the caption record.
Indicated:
h=4 m=45
